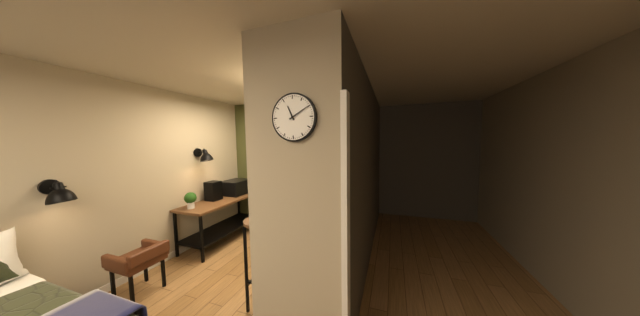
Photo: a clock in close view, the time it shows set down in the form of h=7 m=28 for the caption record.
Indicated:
h=11 m=10
